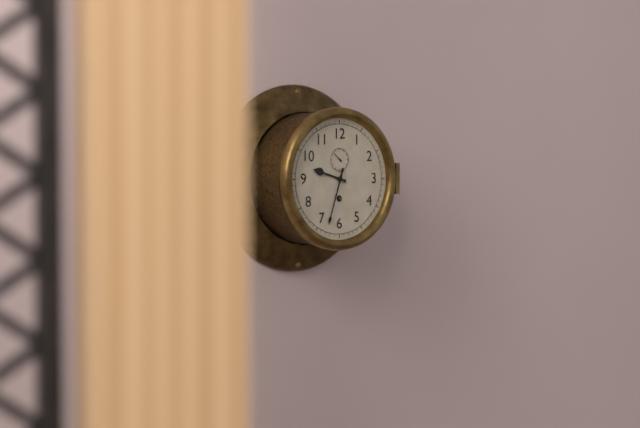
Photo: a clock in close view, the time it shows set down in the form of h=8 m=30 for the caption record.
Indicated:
h=9 m=33
